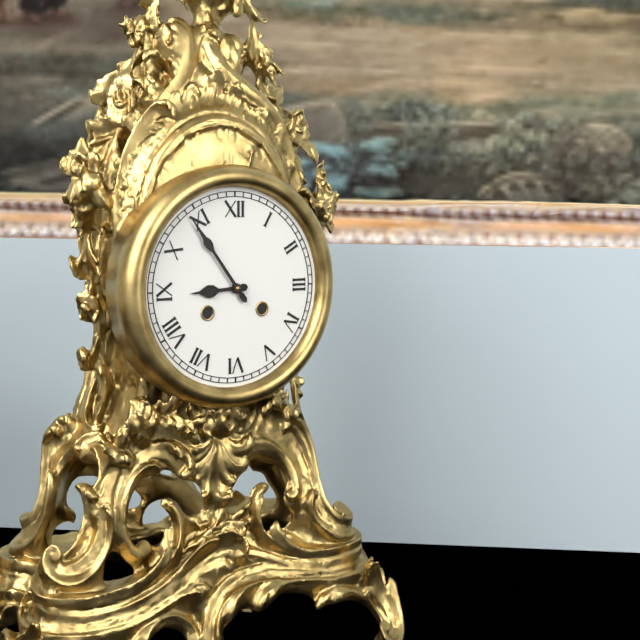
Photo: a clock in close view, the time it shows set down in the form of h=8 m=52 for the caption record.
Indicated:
h=8 m=54
